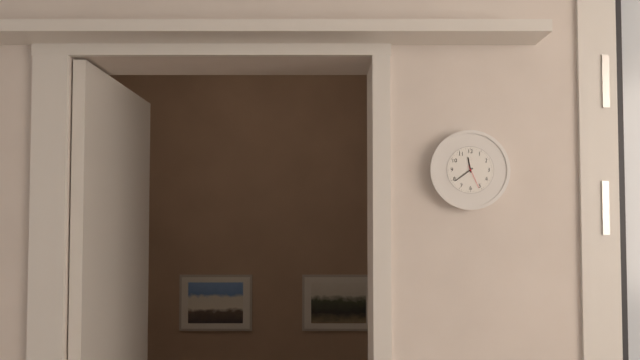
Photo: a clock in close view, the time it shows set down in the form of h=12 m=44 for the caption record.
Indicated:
h=11 m=39
